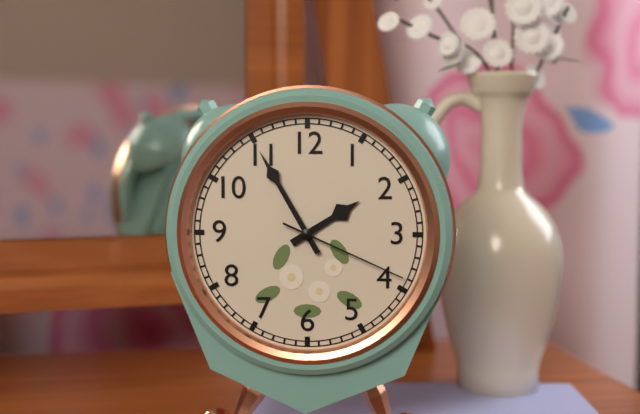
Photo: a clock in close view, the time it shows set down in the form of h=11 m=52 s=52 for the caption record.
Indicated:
h=1 m=55 s=19
